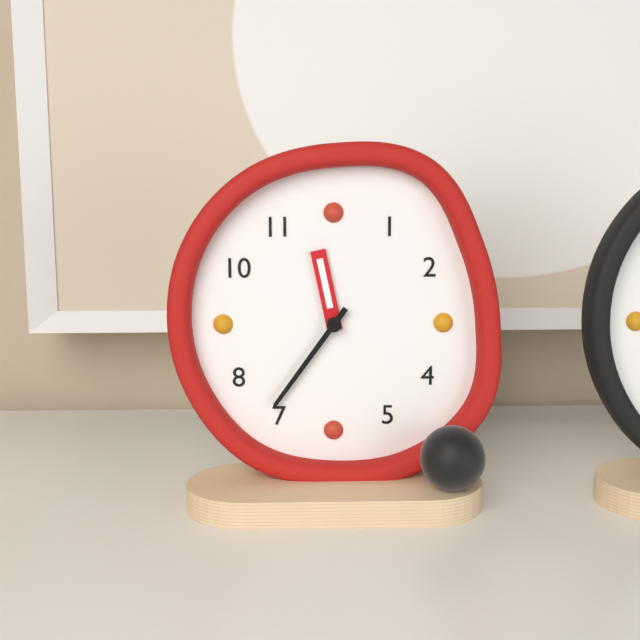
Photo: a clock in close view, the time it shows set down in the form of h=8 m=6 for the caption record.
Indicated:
h=11 m=36
